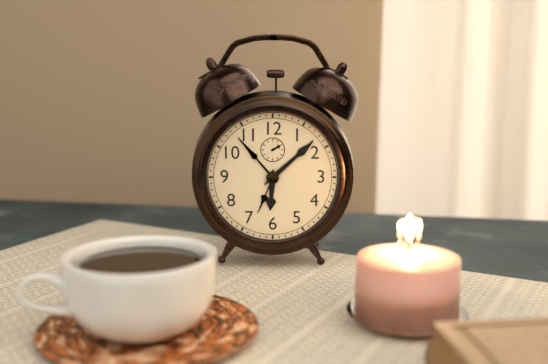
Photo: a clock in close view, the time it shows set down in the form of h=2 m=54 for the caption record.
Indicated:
h=6 m=8
